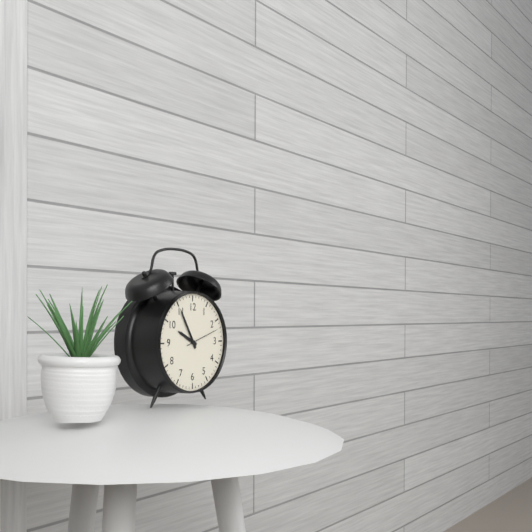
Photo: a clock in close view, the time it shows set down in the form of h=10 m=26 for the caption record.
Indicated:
h=9 m=55
